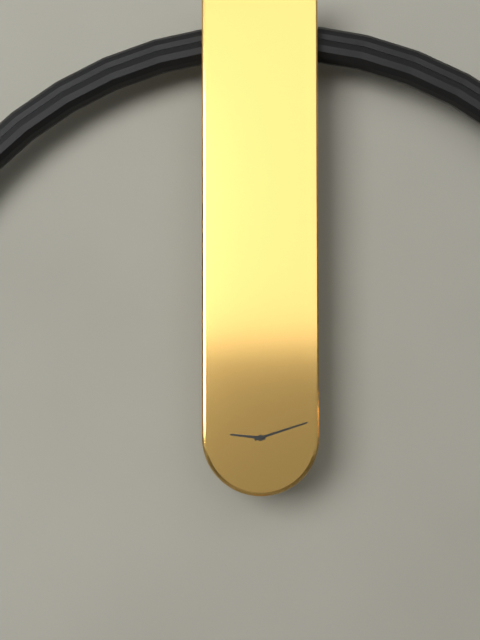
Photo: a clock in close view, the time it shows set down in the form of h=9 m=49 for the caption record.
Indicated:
h=9 m=12
